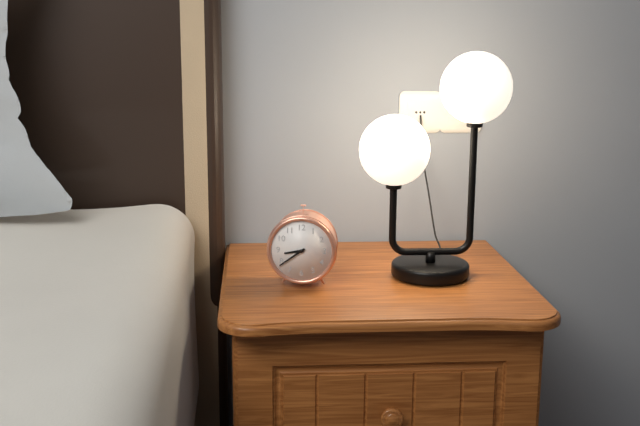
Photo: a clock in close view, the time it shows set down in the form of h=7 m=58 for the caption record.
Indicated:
h=8 m=39
